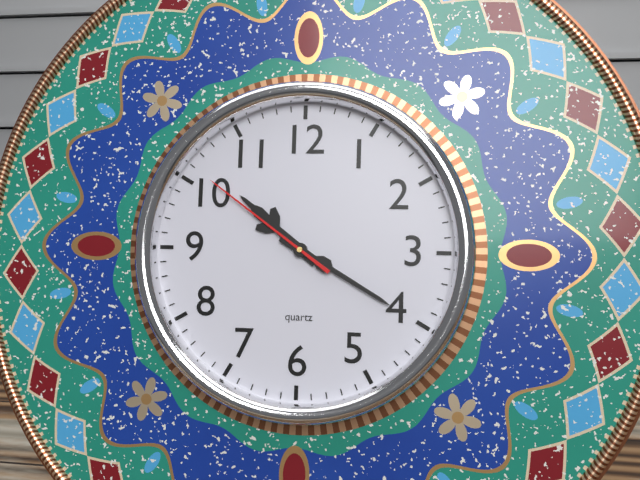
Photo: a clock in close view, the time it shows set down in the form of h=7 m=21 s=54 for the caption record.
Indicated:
h=10 m=20 s=51
